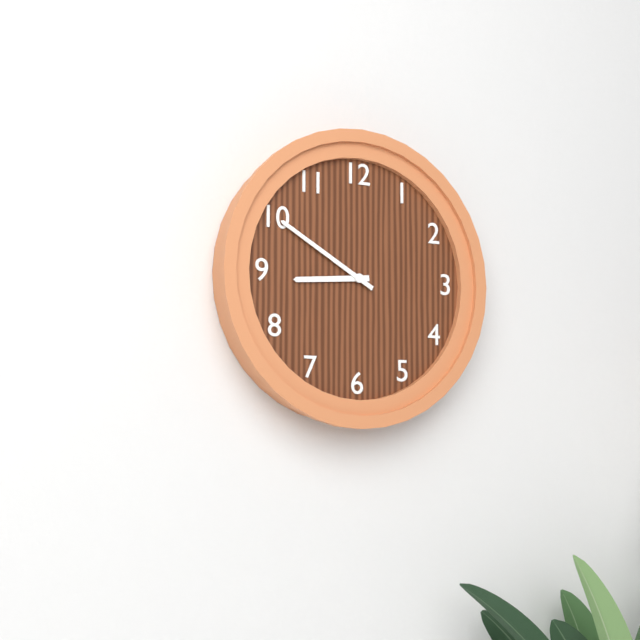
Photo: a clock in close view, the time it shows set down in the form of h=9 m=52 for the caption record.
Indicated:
h=8 m=50
